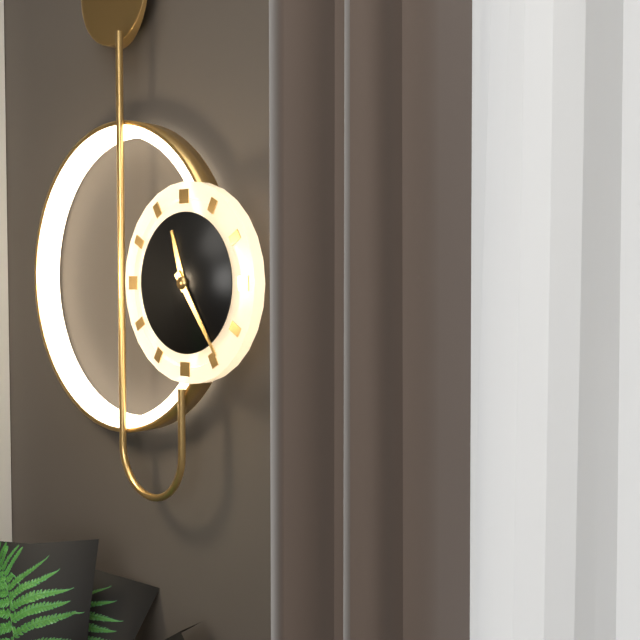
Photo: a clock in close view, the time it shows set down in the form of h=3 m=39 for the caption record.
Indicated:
h=11 m=24
